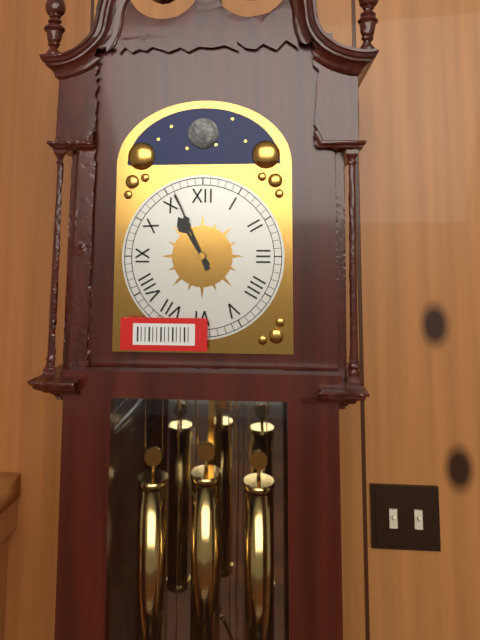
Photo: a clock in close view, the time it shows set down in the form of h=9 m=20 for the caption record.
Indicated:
h=10 m=56
